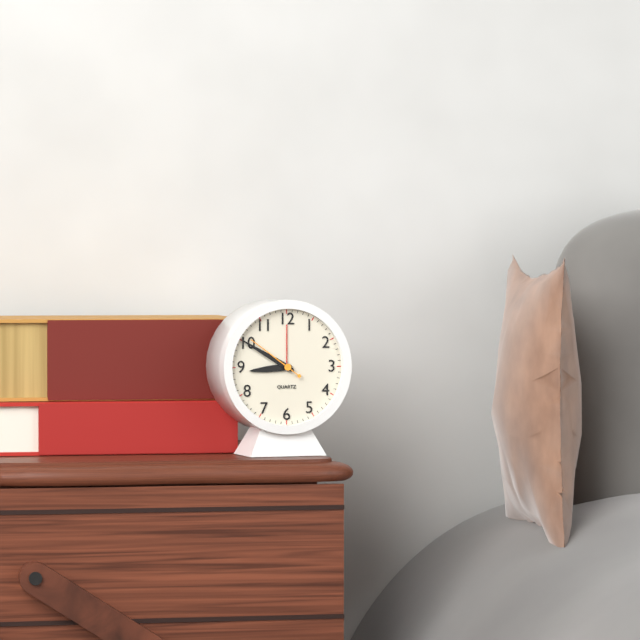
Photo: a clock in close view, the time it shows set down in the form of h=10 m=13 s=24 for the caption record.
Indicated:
h=8 m=50 s=51
